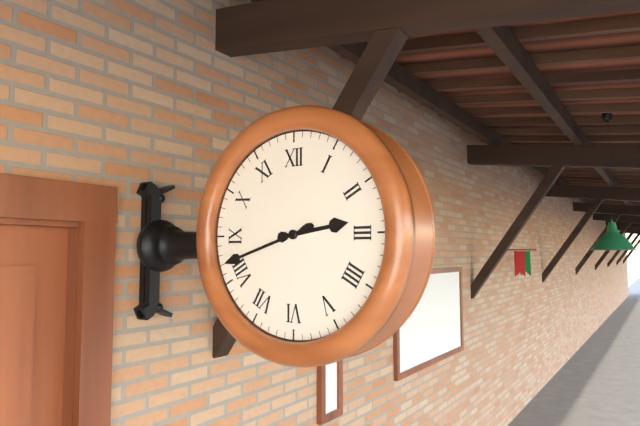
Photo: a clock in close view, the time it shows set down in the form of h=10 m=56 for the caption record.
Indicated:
h=2 m=42
